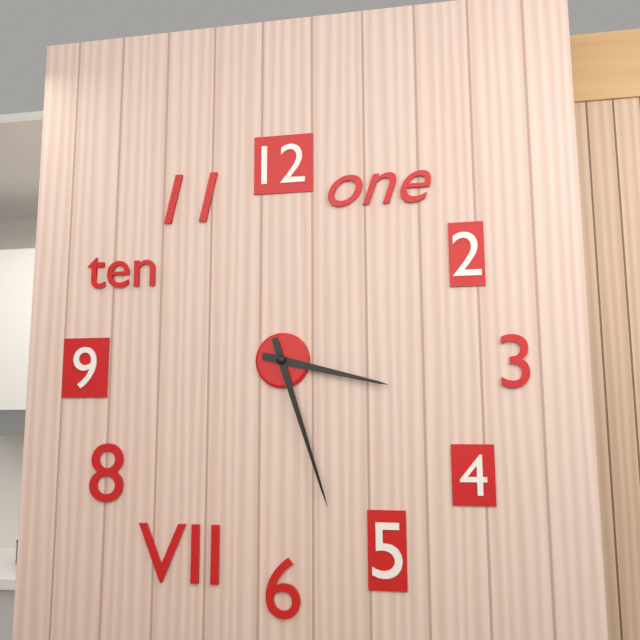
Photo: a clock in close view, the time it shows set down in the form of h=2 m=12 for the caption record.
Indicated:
h=3 m=27
